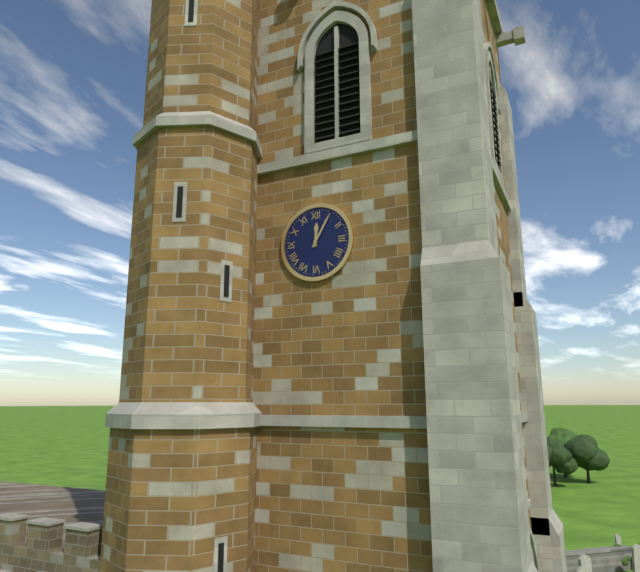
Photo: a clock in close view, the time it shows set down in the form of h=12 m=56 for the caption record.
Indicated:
h=12 m=5
